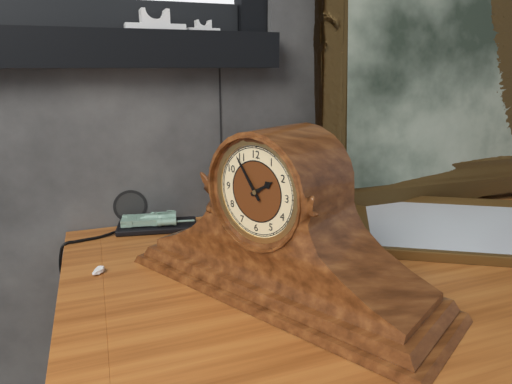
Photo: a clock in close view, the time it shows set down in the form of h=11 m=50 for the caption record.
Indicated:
h=1 m=54
